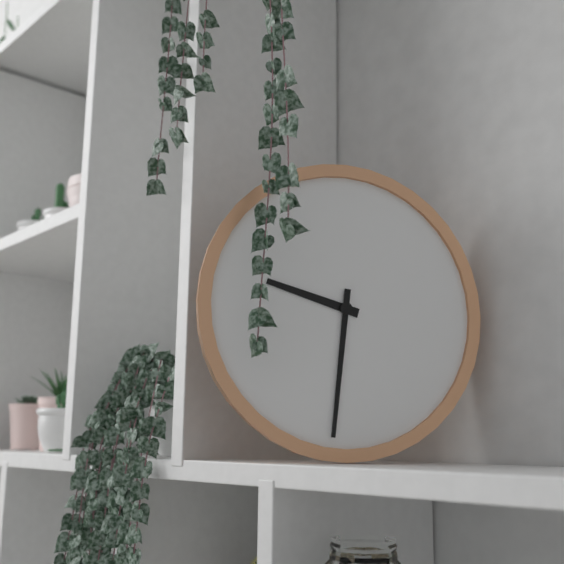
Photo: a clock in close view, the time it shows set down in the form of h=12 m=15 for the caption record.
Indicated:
h=9 m=31
